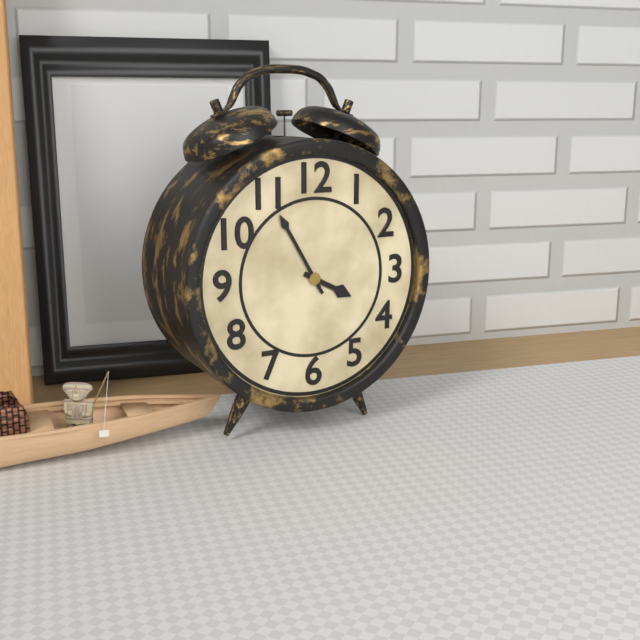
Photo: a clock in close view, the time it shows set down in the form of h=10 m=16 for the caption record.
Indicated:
h=3 m=55
